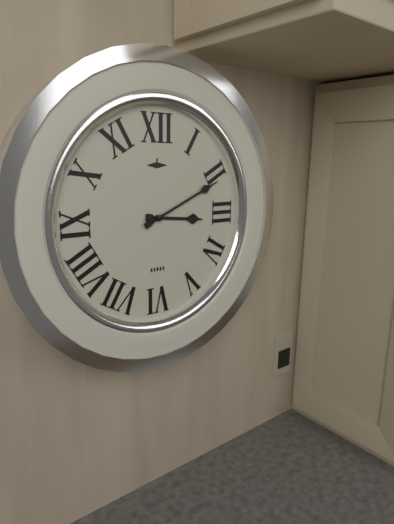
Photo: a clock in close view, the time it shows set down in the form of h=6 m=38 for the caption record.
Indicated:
h=3 m=11
